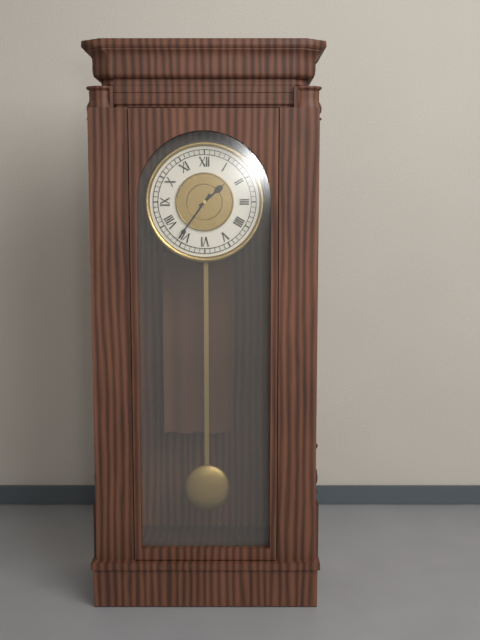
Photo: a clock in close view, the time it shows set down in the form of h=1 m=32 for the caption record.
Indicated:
h=1 m=36
